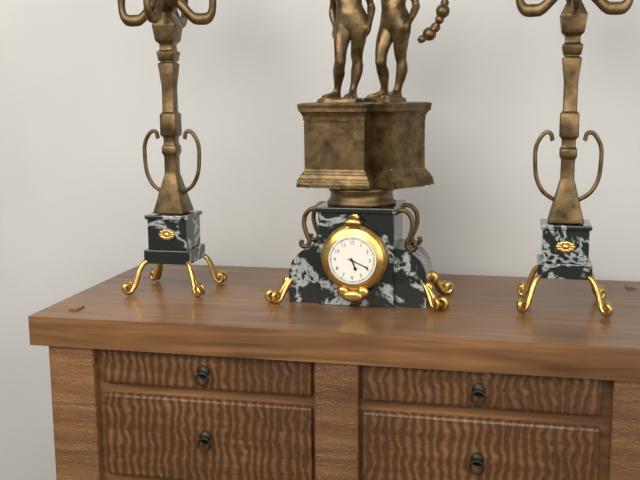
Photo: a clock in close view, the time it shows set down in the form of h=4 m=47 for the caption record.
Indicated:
h=5 m=19
